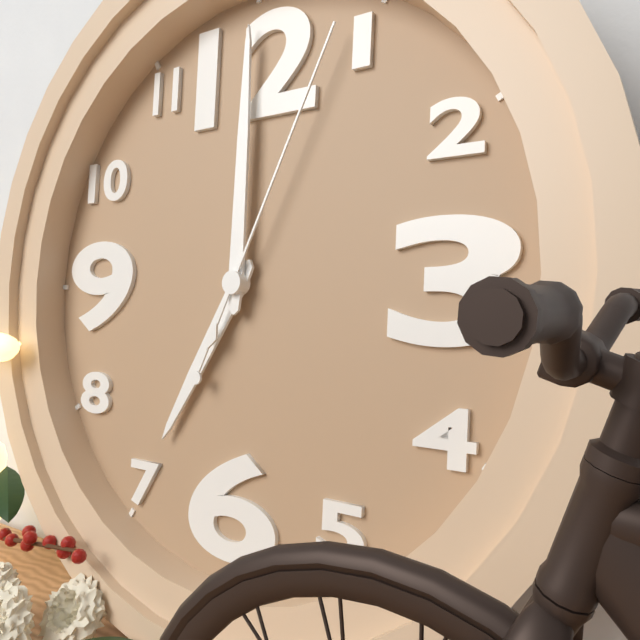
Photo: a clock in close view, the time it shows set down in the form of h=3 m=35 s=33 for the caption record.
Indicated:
h=7 m=0 s=4
